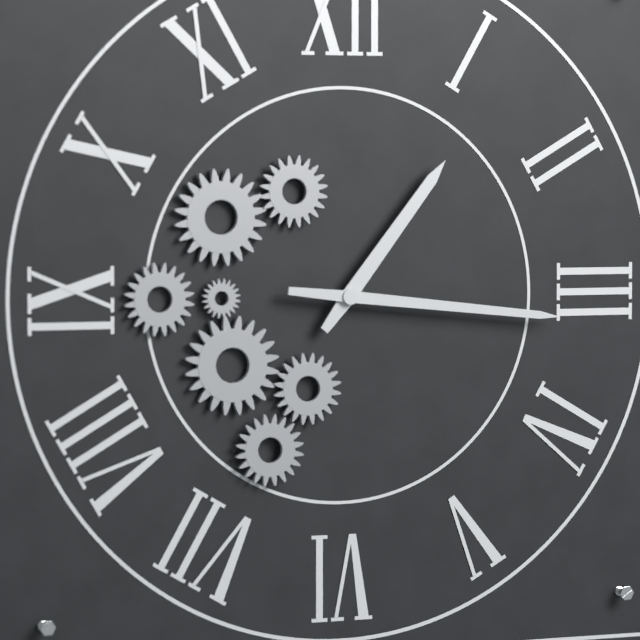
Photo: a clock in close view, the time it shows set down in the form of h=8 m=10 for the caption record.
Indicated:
h=1 m=16
